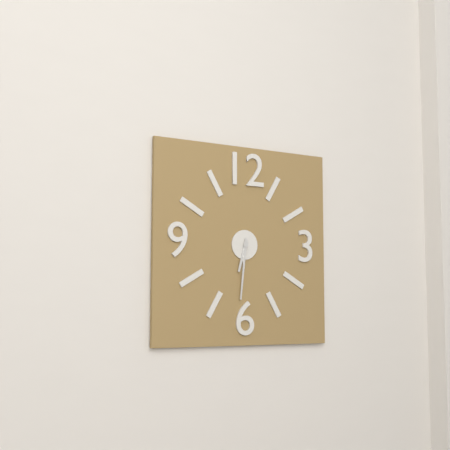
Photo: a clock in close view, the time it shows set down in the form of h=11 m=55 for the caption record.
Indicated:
h=6 m=31
